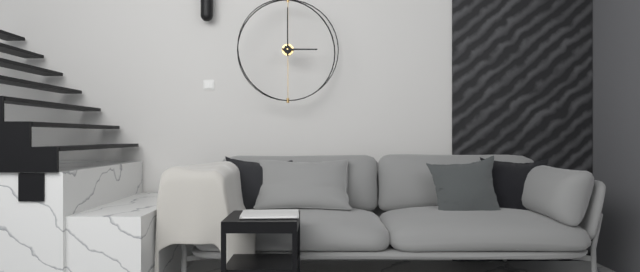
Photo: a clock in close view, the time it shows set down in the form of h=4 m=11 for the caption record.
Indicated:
h=3 m=0
